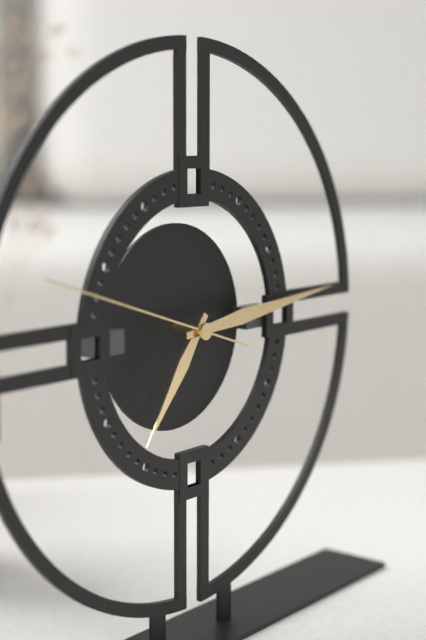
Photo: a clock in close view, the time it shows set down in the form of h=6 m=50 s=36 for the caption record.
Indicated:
h=7 m=14 s=48
